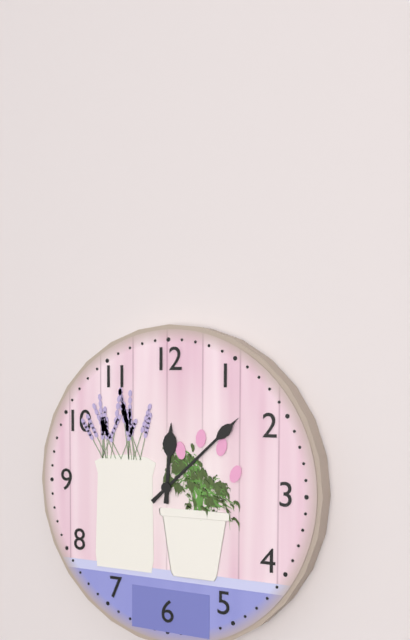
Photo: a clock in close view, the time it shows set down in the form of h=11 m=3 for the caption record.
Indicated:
h=12 m=8
